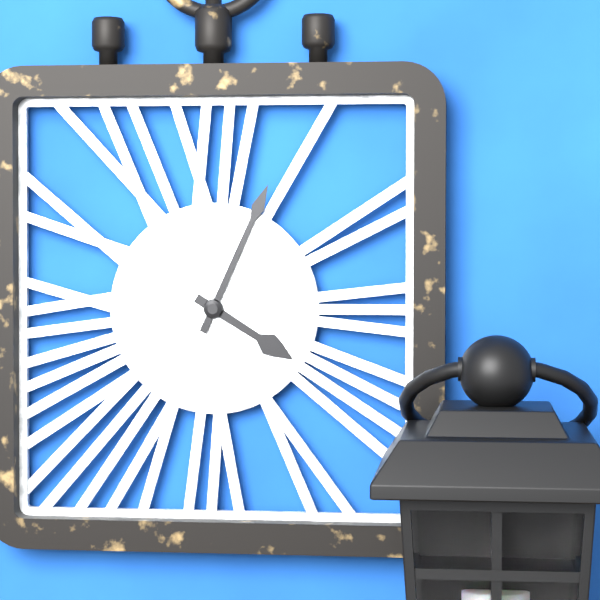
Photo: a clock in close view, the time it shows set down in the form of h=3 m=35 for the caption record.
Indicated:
h=4 m=4
